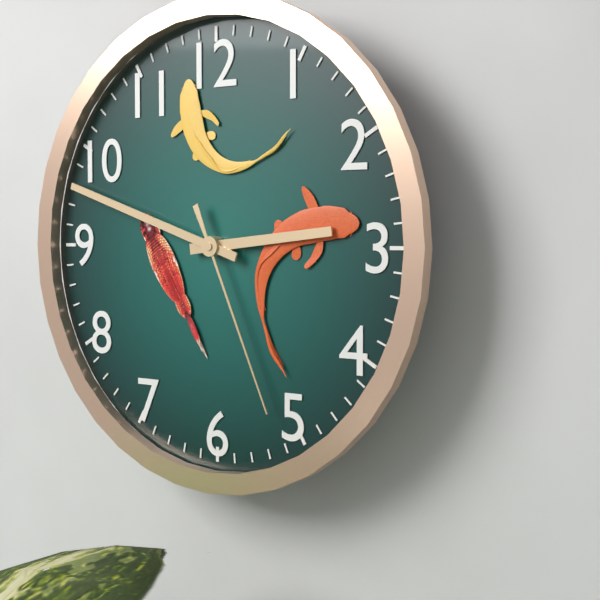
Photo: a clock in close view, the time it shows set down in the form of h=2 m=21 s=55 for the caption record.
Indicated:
h=2 m=48 s=26
